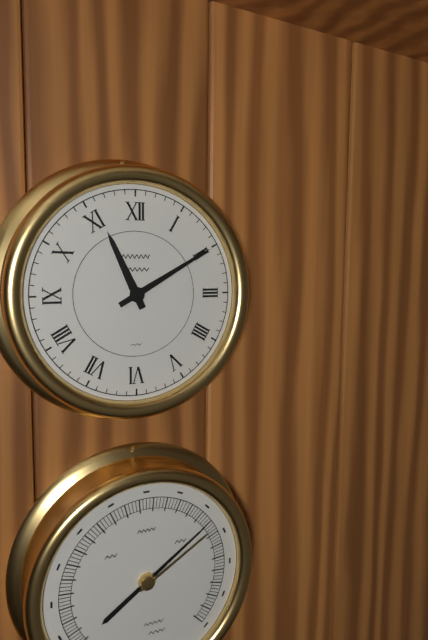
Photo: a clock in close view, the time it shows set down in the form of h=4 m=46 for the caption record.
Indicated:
h=11 m=10
